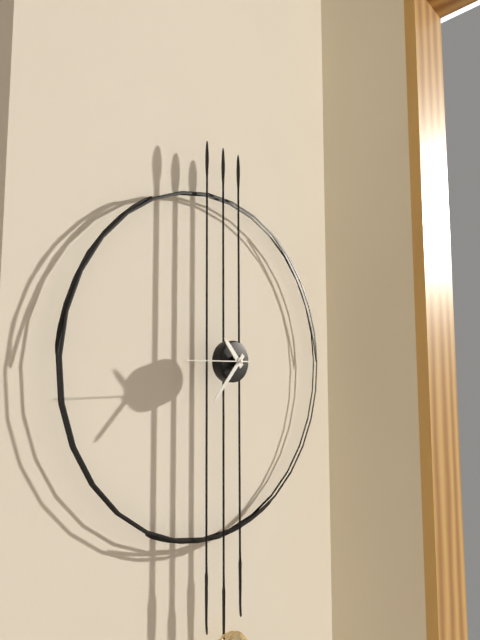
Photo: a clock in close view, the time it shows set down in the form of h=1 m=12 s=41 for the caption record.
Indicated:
h=10 m=37 s=45
